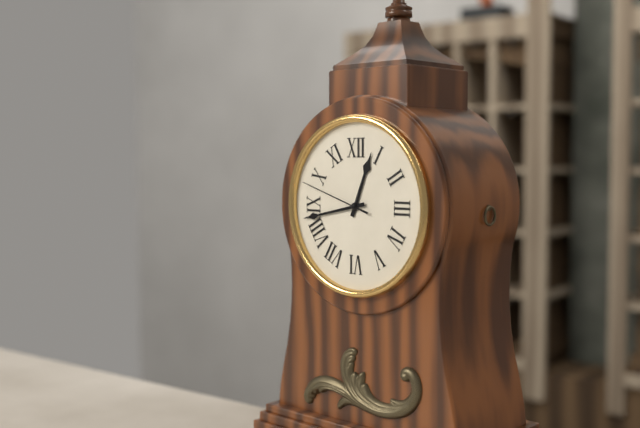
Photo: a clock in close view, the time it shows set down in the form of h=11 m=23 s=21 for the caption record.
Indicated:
h=12 m=43 s=48
